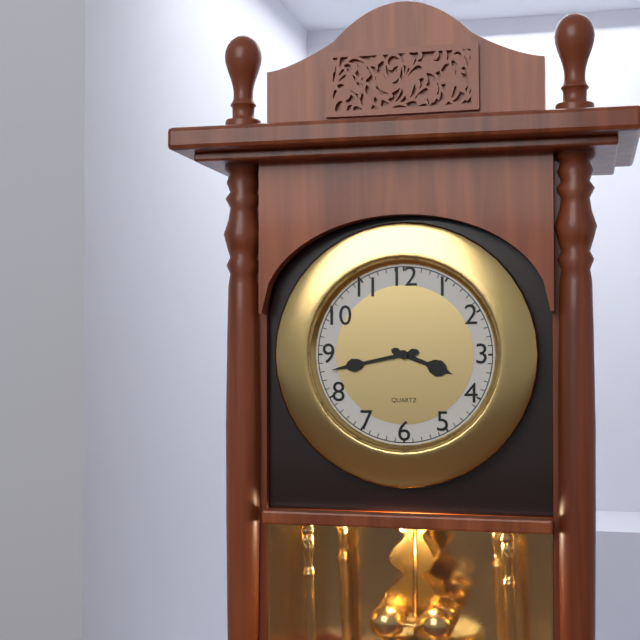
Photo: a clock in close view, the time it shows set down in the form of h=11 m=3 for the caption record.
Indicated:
h=3 m=43
